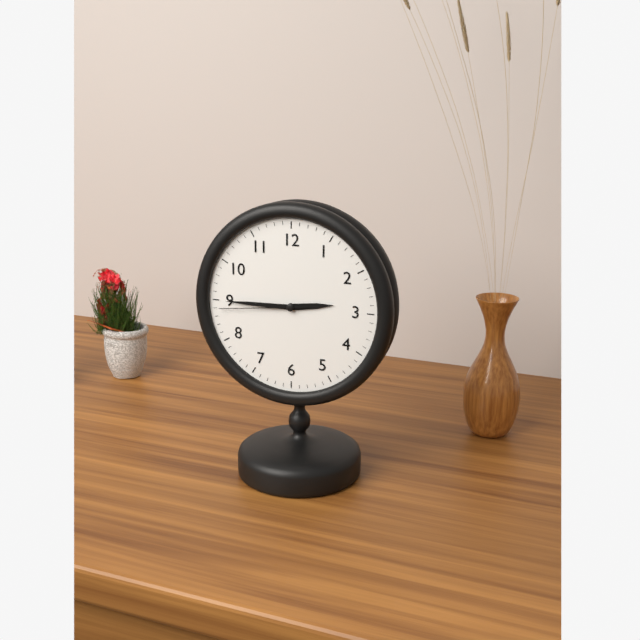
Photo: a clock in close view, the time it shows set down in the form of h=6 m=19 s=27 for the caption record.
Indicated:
h=2 m=45 s=44
